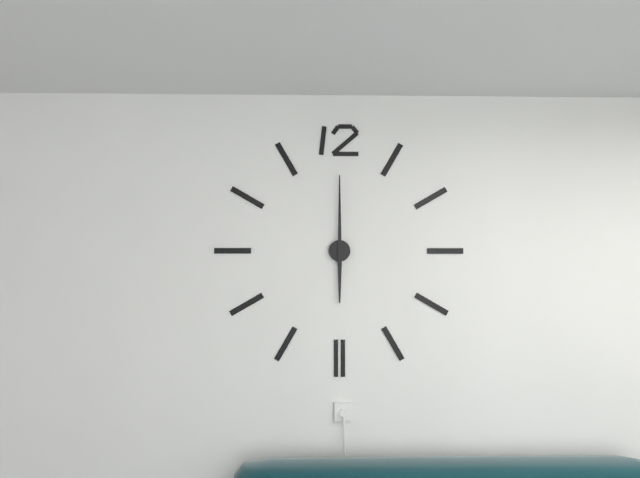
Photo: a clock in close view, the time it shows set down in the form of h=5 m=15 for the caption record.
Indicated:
h=6 m=0
